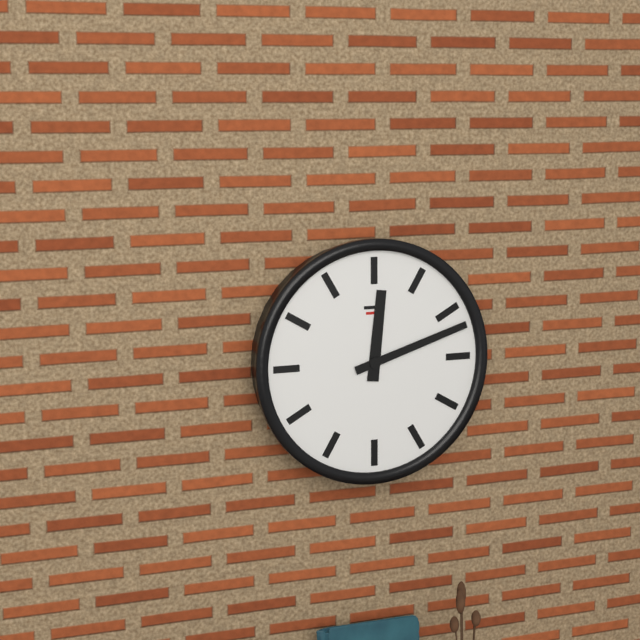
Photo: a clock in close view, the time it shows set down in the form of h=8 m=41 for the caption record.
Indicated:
h=12 m=12
